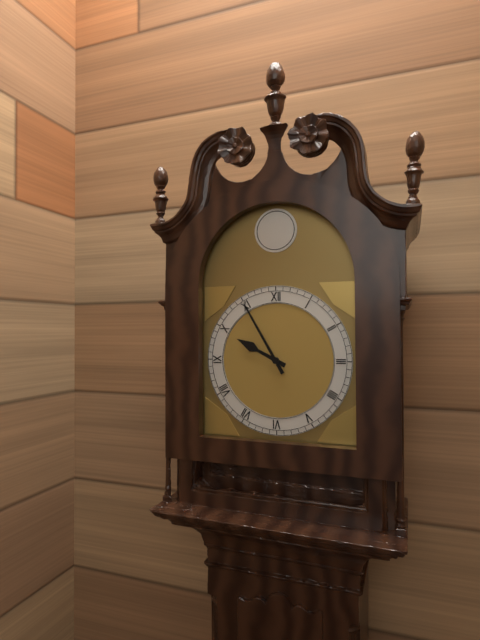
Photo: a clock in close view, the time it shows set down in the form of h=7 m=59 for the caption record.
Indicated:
h=9 m=55
